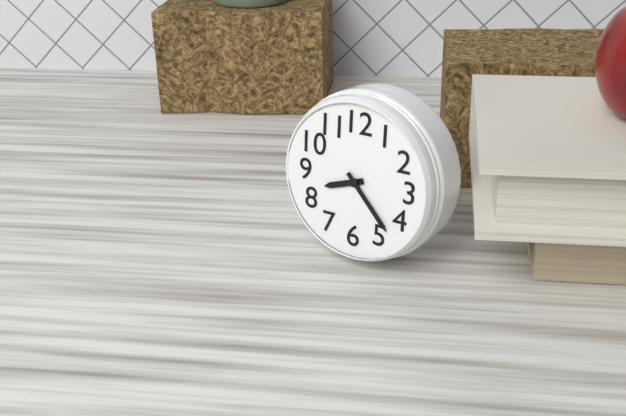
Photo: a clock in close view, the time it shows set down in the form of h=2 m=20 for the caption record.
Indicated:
h=8 m=23
